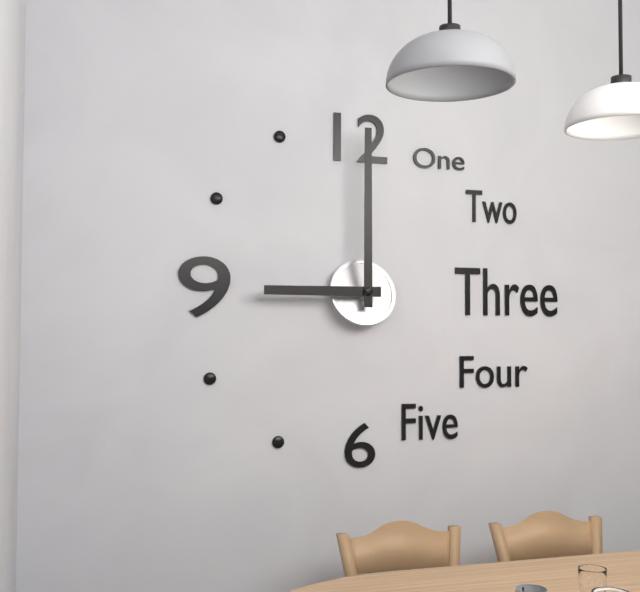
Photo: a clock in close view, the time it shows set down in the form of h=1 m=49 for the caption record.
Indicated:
h=9 m=0
